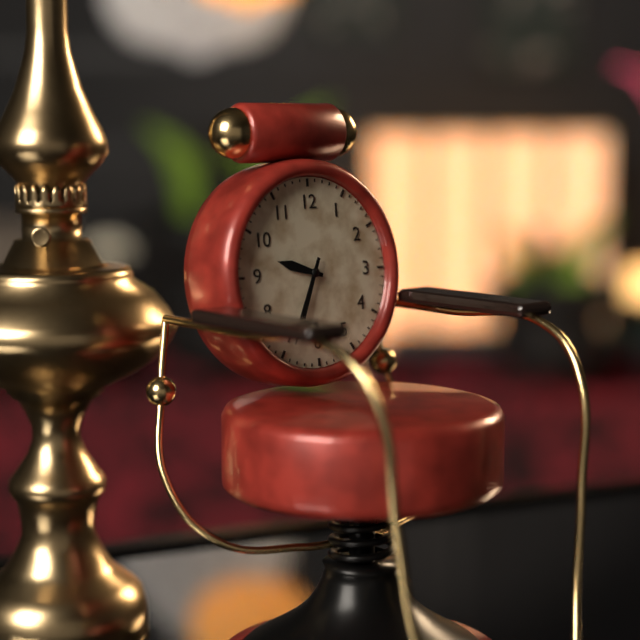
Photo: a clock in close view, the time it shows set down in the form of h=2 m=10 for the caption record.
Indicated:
h=9 m=34
